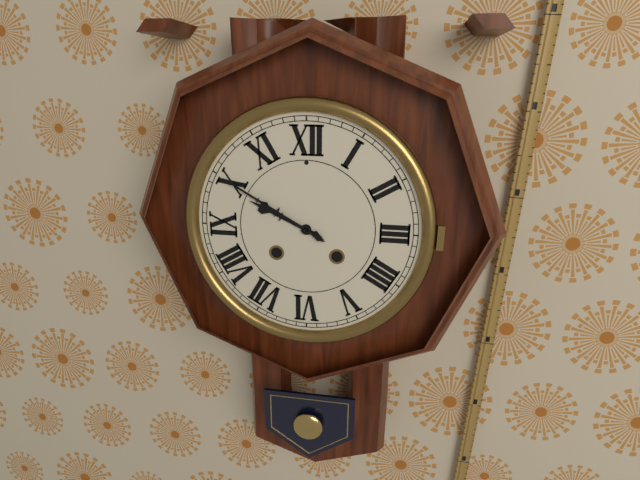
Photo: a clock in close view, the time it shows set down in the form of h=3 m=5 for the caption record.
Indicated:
h=9 m=50
